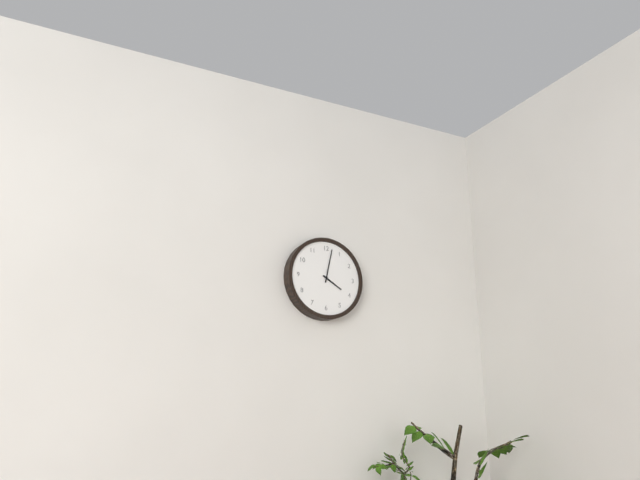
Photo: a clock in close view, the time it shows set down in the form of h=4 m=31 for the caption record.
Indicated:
h=4 m=2
